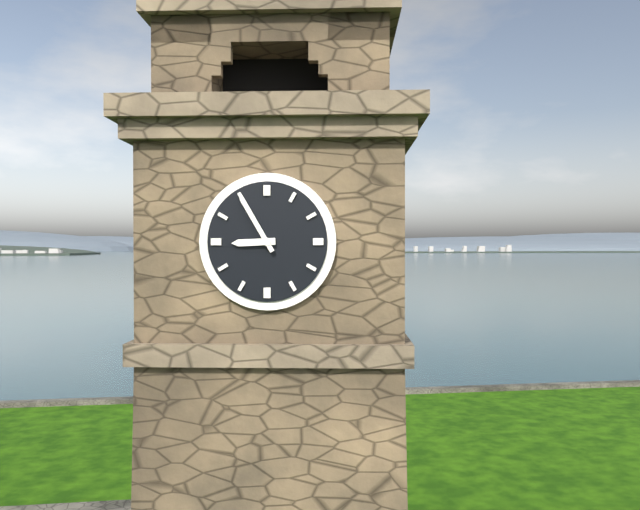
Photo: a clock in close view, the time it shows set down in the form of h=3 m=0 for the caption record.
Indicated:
h=8 m=55
